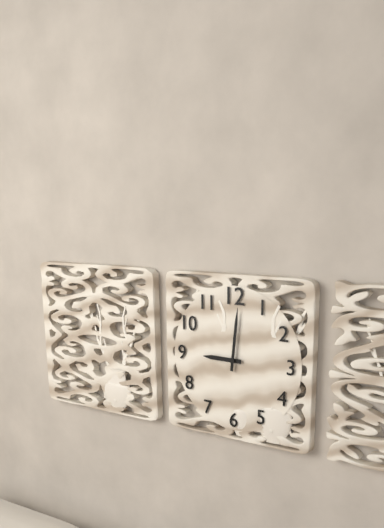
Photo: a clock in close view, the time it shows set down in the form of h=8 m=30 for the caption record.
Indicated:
h=9 m=1
